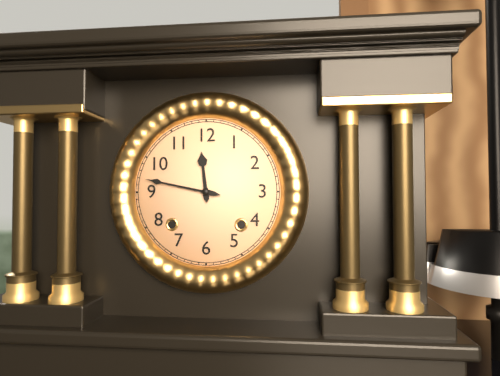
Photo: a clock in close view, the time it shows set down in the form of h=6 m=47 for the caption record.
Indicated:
h=11 m=47
